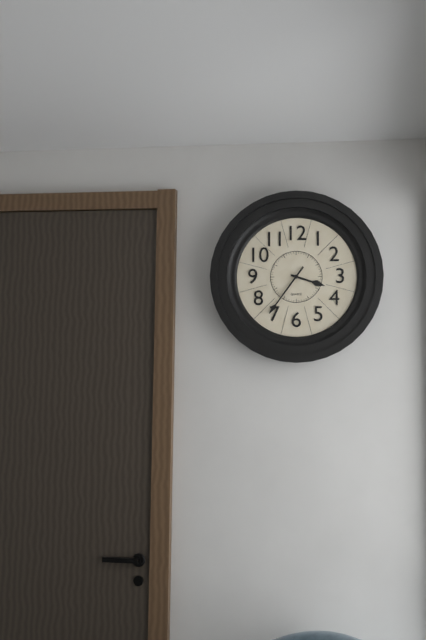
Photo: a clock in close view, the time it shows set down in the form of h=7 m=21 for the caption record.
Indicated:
h=3 m=36
